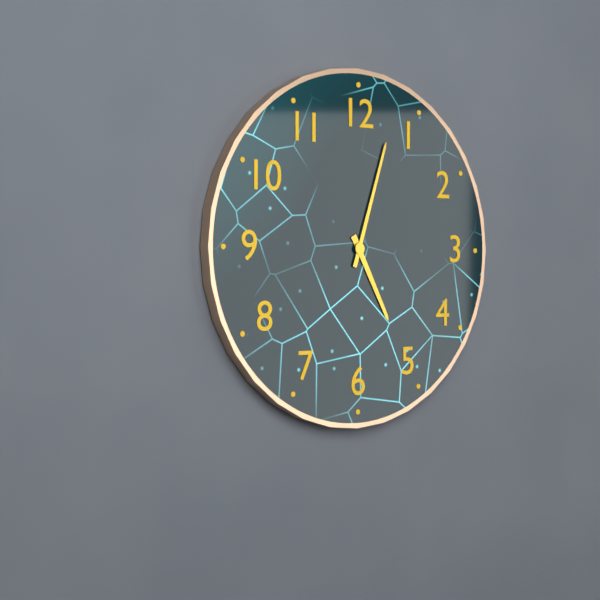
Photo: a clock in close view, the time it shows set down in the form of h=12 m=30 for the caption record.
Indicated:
h=5 m=3
